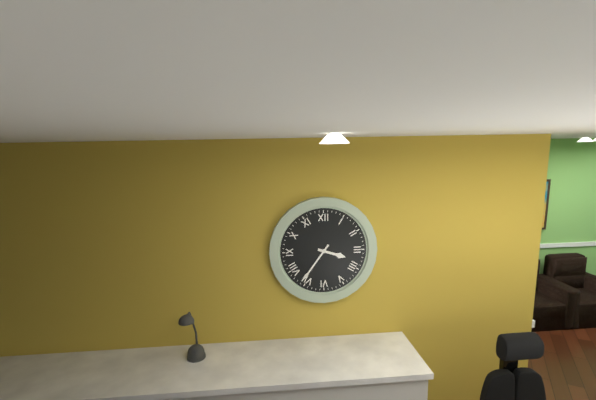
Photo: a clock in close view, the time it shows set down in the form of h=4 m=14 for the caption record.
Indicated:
h=3 m=36
